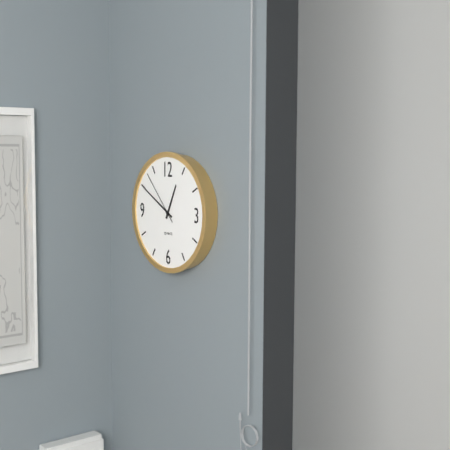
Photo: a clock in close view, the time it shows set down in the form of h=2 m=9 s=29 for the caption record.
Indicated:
h=12 m=50 s=53
